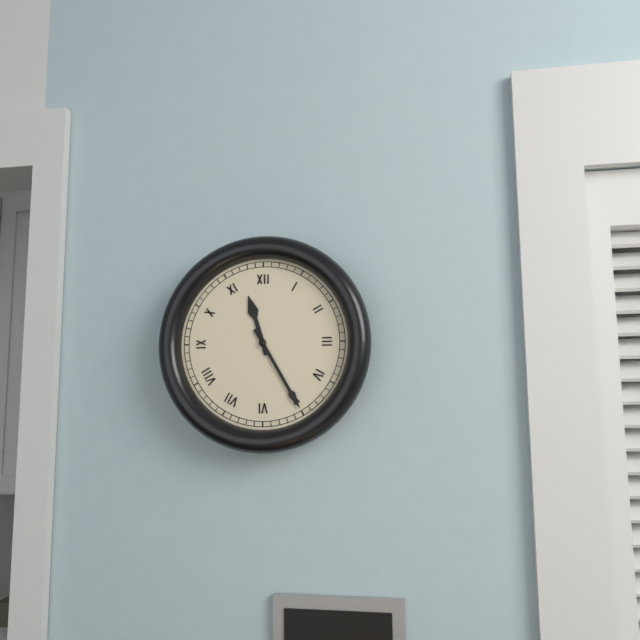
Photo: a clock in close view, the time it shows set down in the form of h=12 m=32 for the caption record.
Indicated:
h=11 m=25
